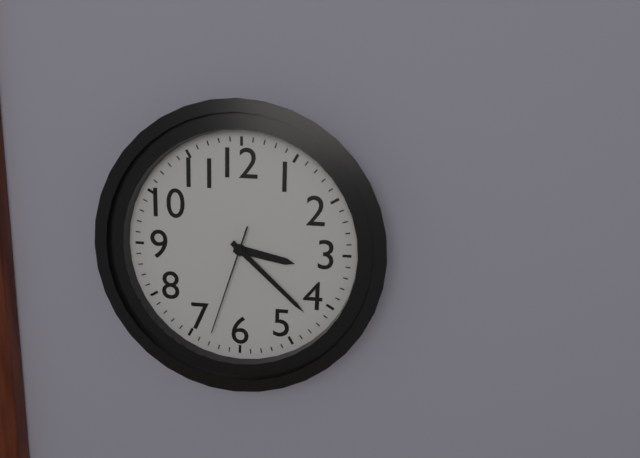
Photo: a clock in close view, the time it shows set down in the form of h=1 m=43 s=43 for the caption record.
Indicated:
h=3 m=22 s=33
